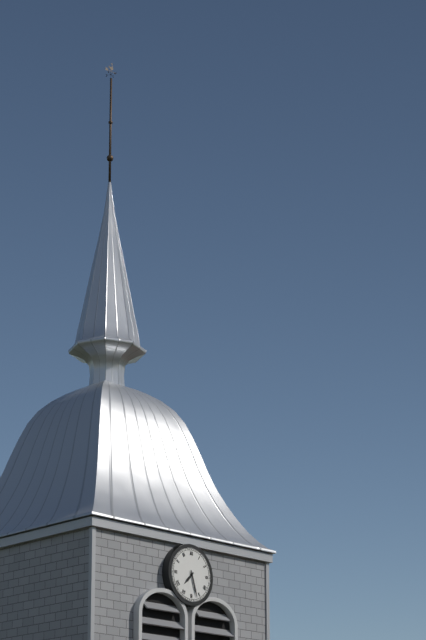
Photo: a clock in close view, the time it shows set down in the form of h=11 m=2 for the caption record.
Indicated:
h=7 m=27
